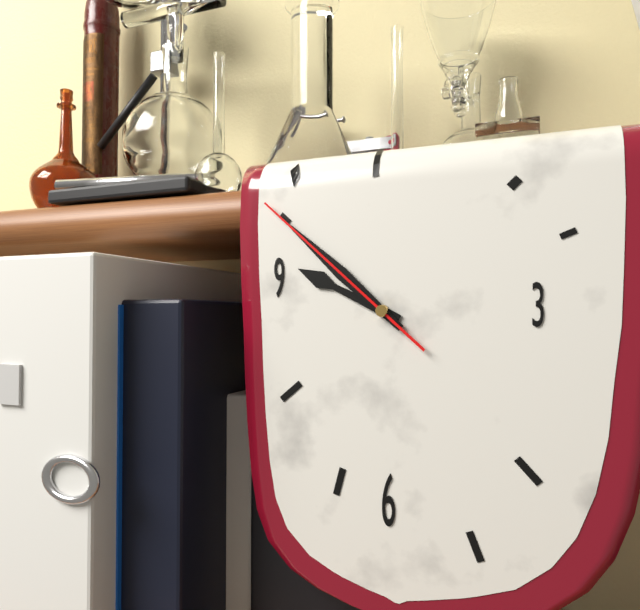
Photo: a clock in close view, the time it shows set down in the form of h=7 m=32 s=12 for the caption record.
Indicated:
h=9 m=52 s=52
